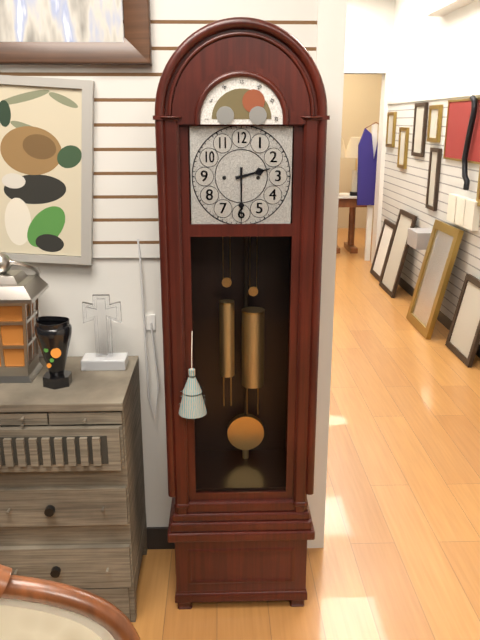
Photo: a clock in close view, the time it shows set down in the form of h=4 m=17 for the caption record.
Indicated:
h=2 m=30
